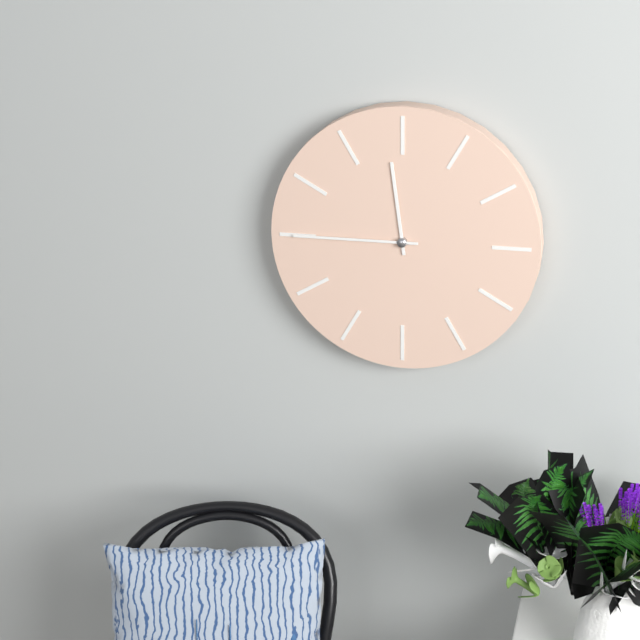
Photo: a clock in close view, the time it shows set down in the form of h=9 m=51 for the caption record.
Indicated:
h=11 m=45
